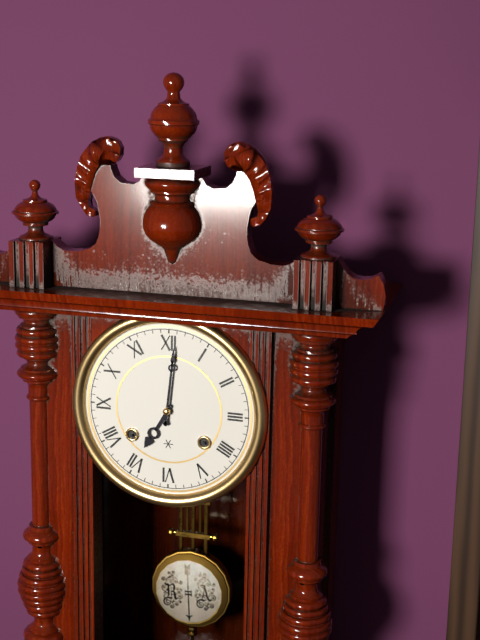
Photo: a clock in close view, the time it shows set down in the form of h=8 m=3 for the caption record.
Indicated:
h=7 m=1
